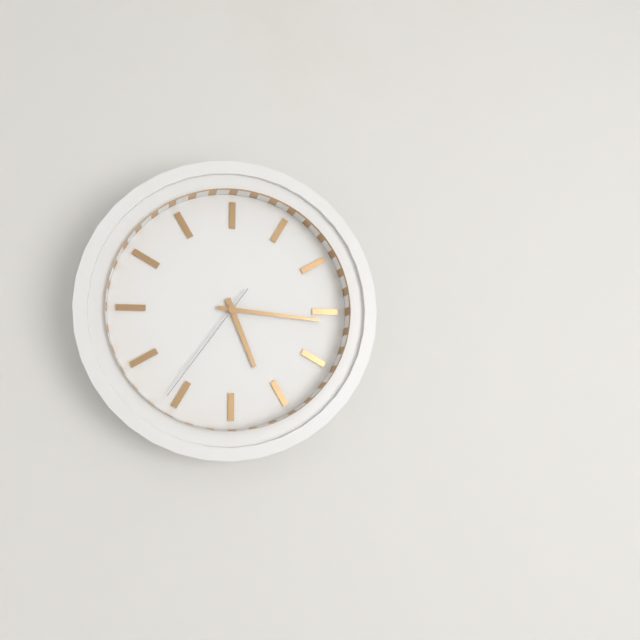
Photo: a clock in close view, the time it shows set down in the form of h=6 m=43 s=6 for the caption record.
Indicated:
h=5 m=16 s=36
